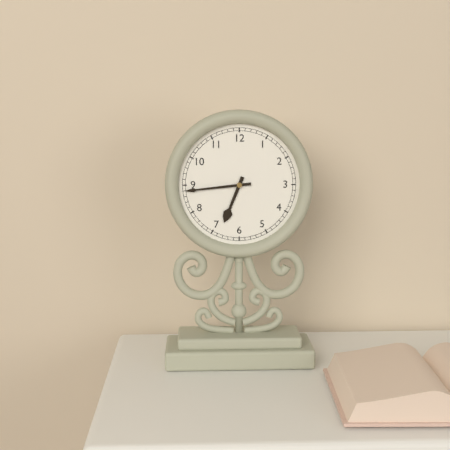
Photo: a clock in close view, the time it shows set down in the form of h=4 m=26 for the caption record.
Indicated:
h=6 m=44
